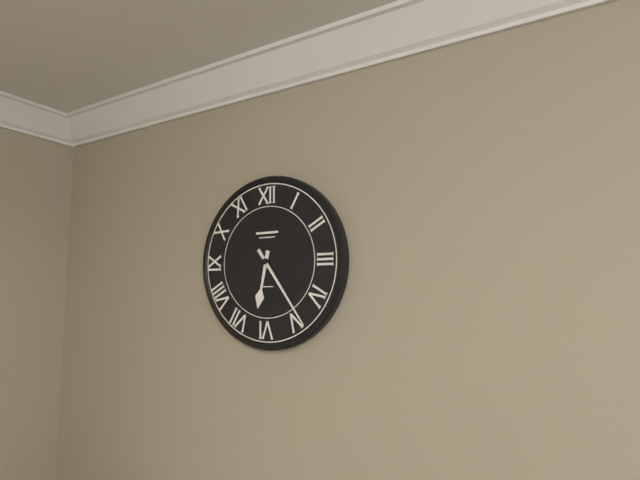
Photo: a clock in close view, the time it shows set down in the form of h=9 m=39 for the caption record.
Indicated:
h=6 m=24
